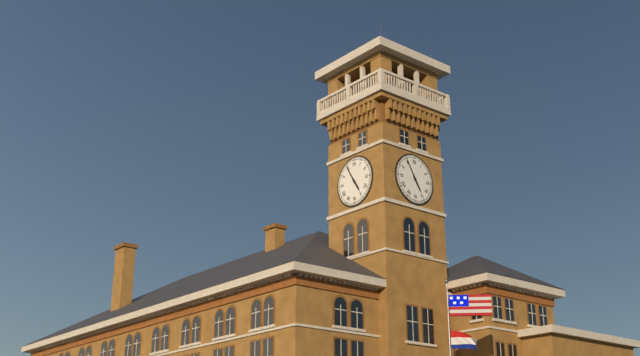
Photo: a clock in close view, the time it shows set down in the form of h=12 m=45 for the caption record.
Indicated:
h=4 m=55
